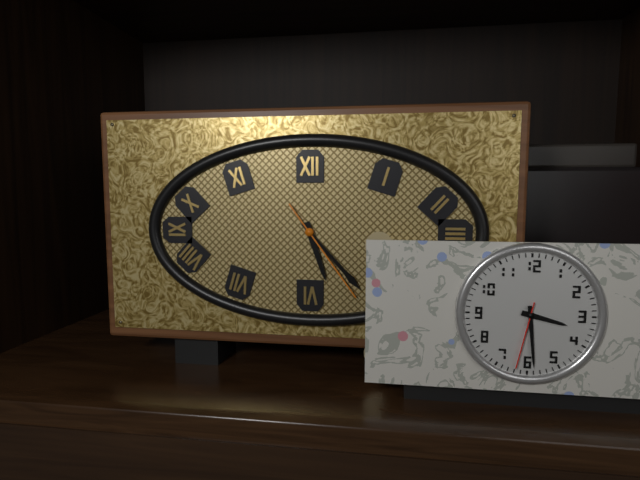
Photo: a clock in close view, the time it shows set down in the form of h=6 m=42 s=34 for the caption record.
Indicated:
h=5 m=23 s=24
